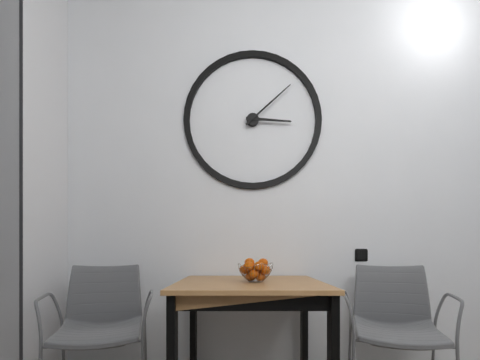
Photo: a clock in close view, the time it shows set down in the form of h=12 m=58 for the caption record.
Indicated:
h=3 m=8
